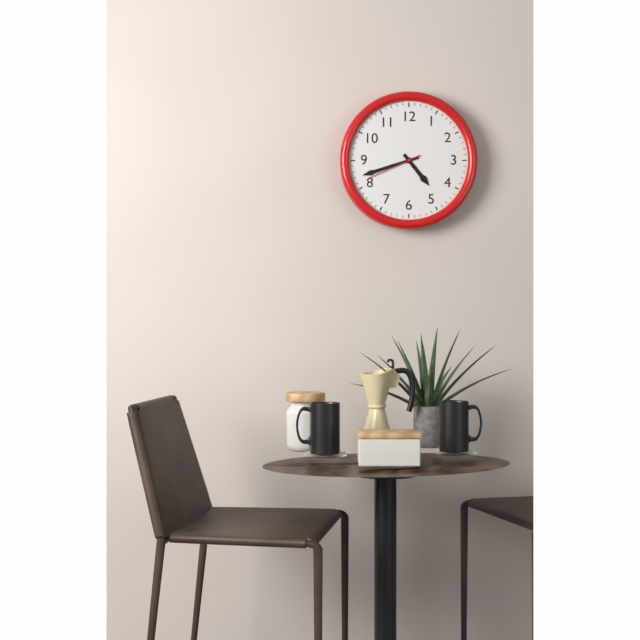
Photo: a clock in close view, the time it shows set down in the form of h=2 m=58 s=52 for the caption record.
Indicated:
h=4 m=42 s=41
